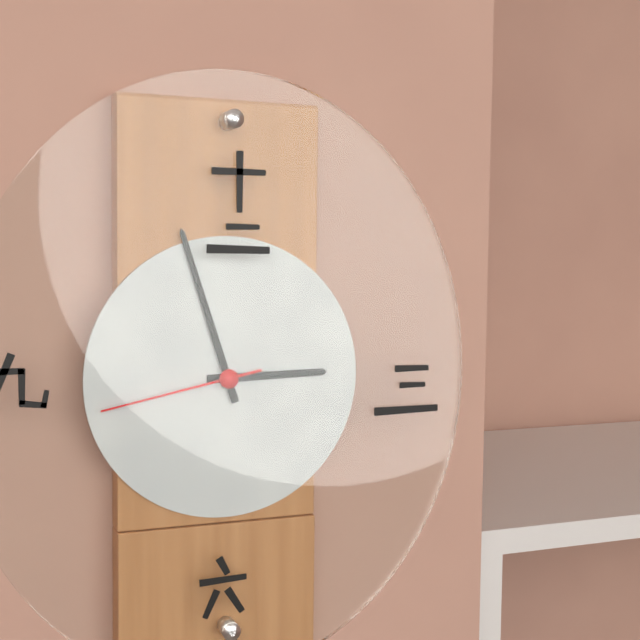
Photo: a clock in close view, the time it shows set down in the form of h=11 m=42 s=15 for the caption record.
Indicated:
h=2 m=57 s=43
